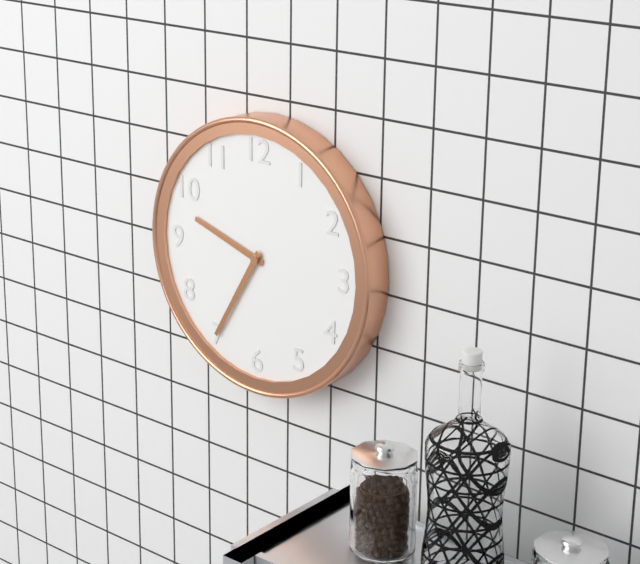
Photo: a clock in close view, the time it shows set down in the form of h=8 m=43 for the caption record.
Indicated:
h=9 m=35
